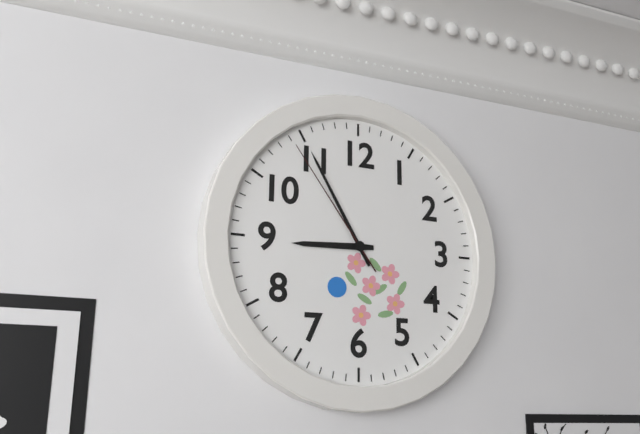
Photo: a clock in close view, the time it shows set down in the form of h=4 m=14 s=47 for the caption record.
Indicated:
h=8 m=55 s=54
